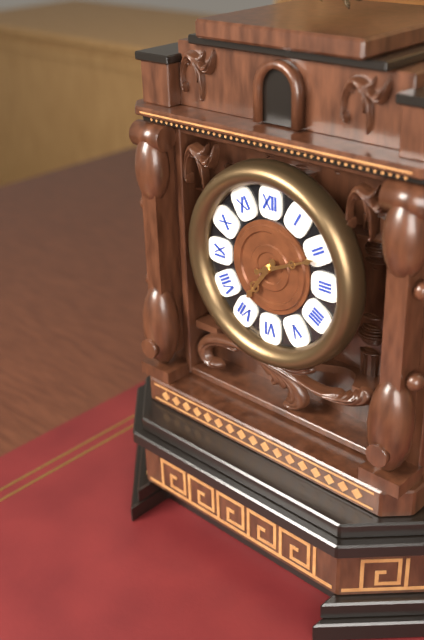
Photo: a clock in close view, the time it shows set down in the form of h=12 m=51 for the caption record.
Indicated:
h=7 m=11
